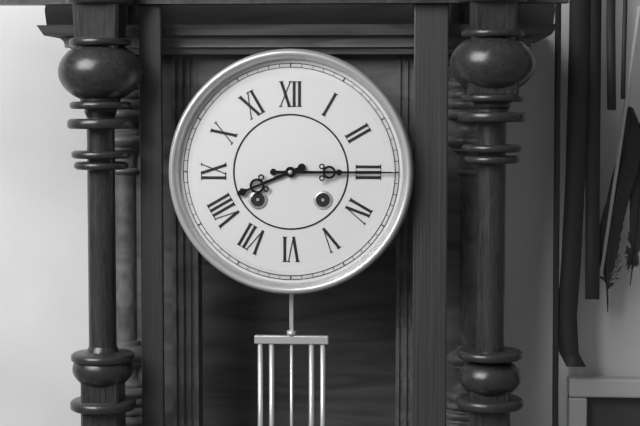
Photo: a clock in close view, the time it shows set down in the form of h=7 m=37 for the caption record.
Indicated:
h=8 m=15
